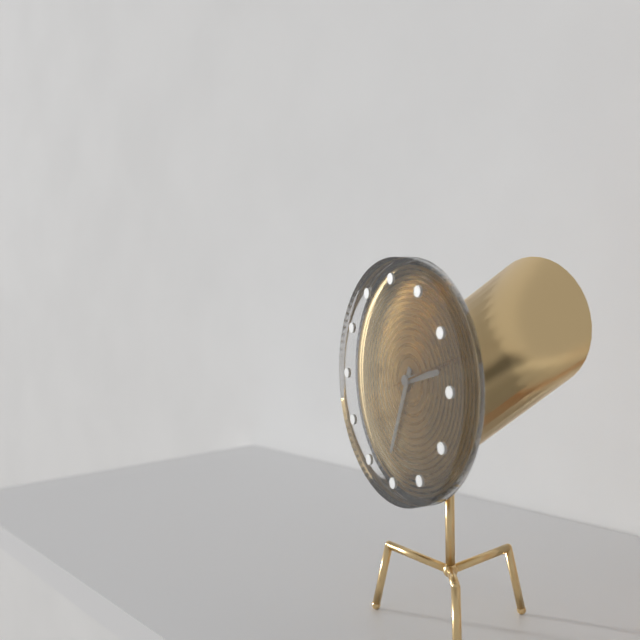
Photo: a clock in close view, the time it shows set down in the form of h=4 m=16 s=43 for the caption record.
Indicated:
h=2 m=34 s=12
